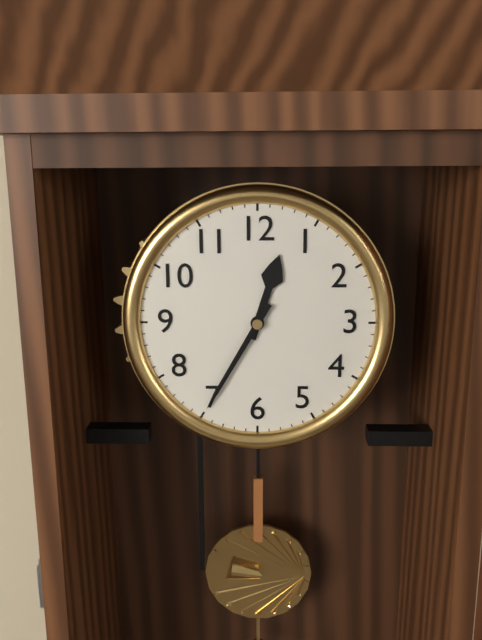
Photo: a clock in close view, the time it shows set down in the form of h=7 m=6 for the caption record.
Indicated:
h=12 m=35
